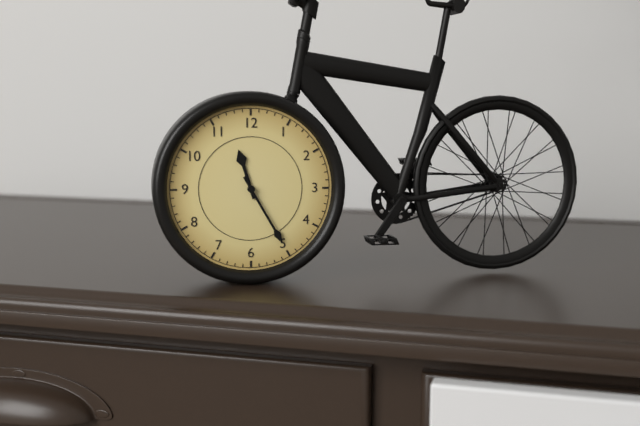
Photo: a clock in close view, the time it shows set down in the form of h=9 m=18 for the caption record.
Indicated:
h=11 m=25
